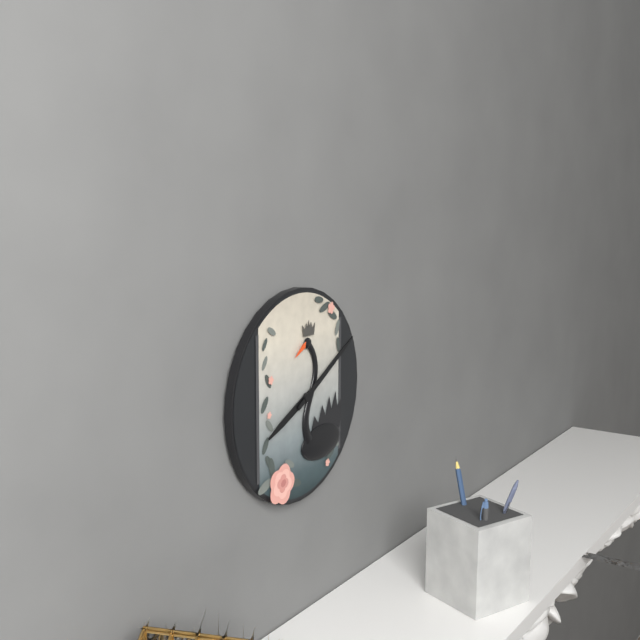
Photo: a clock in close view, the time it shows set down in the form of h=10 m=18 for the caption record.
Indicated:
h=8 m=10
